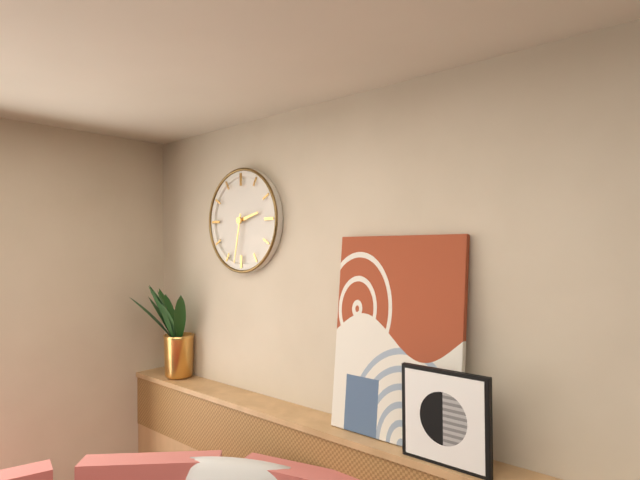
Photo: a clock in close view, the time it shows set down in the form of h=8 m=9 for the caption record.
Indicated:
h=2 m=32
